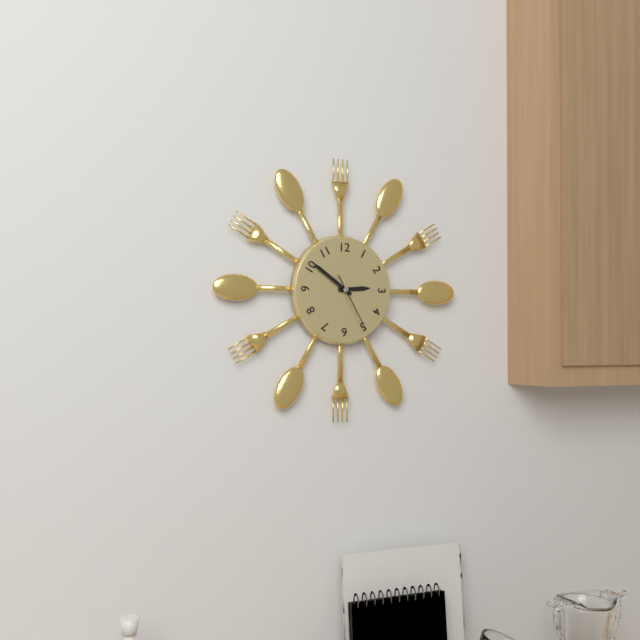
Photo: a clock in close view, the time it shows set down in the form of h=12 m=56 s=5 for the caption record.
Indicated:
h=2 m=51 s=25
